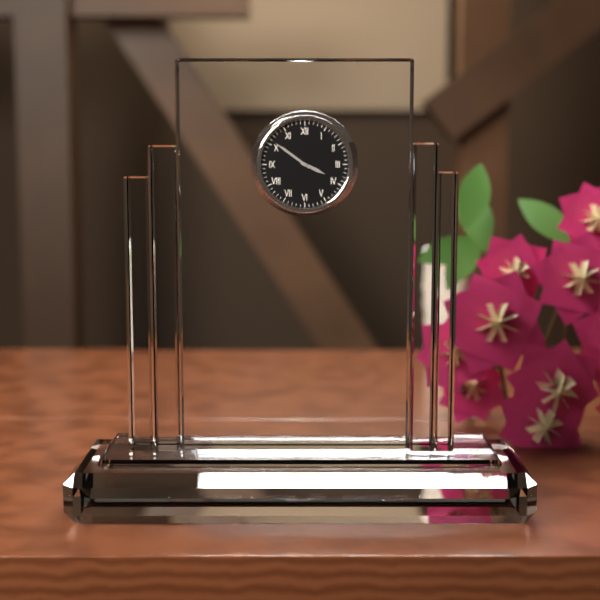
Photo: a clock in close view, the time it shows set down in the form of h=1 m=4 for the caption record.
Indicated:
h=3 m=51
